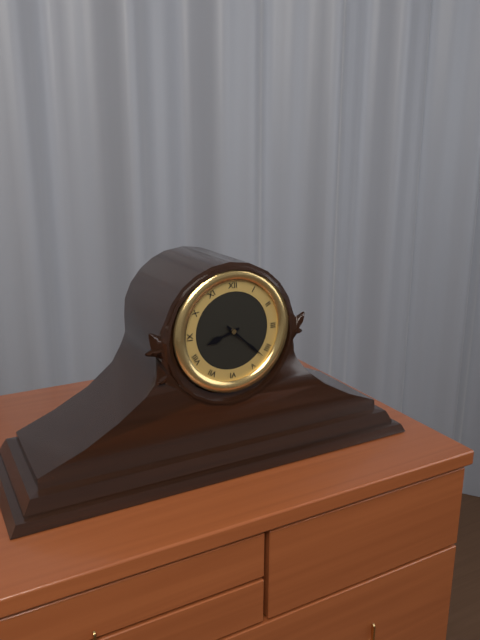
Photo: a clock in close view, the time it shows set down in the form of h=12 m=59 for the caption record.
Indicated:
h=8 m=22
